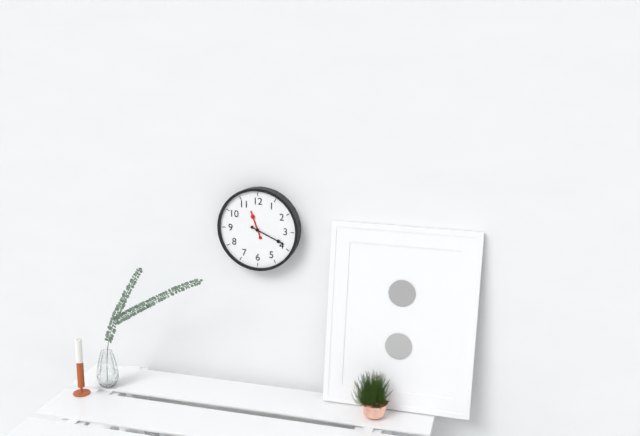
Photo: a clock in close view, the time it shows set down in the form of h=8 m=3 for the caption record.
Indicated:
h=11 m=19
